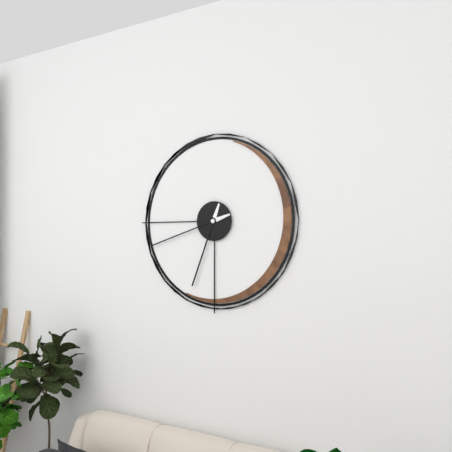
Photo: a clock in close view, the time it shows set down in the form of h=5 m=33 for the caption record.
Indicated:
h=6 m=42
